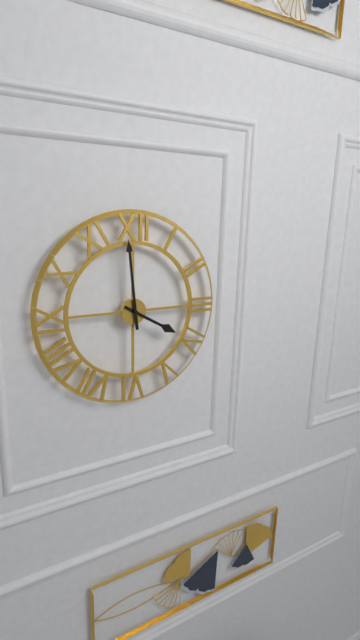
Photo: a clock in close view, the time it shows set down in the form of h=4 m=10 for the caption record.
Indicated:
h=3 m=59
